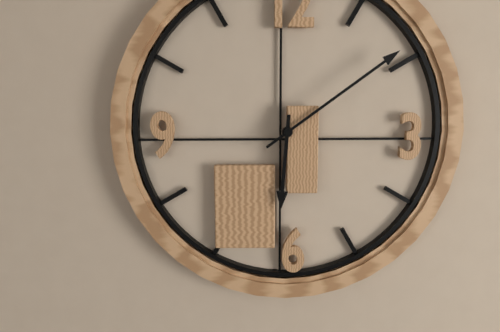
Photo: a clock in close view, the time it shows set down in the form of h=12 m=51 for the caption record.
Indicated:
h=6 m=9
